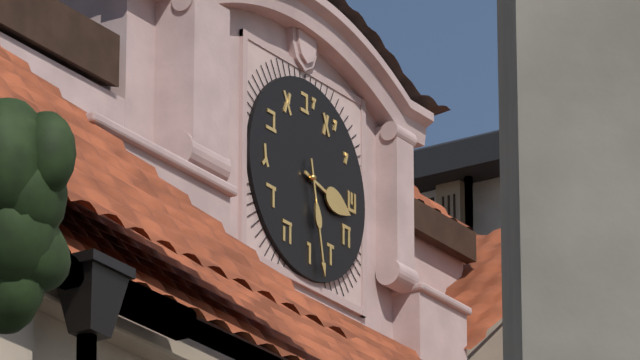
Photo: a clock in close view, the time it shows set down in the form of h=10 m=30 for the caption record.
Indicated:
h=3 m=28
